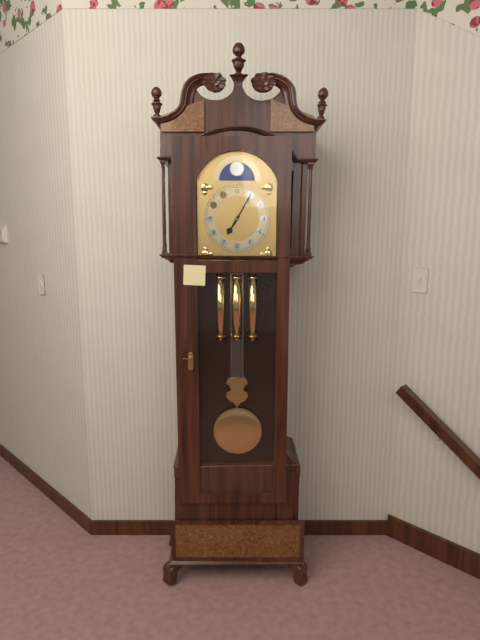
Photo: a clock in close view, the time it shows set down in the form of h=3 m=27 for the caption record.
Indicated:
h=7 m=5
